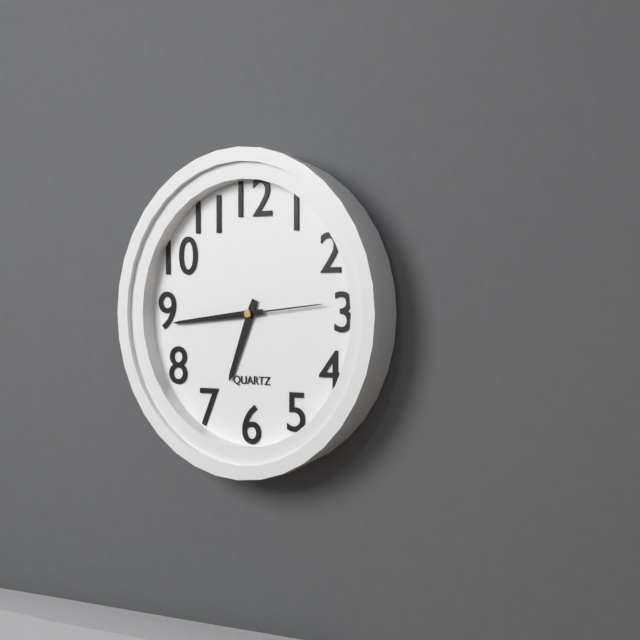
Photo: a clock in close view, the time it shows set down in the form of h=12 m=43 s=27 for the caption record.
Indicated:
h=6 m=44 s=14
